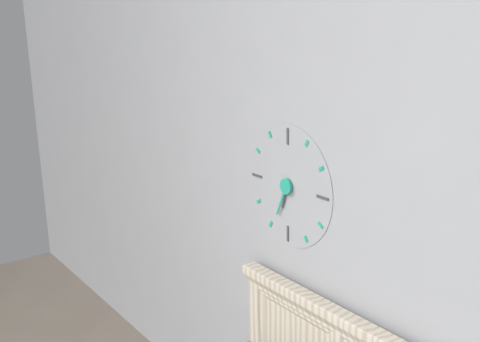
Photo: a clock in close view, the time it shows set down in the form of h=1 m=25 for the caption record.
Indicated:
h=6 m=34
